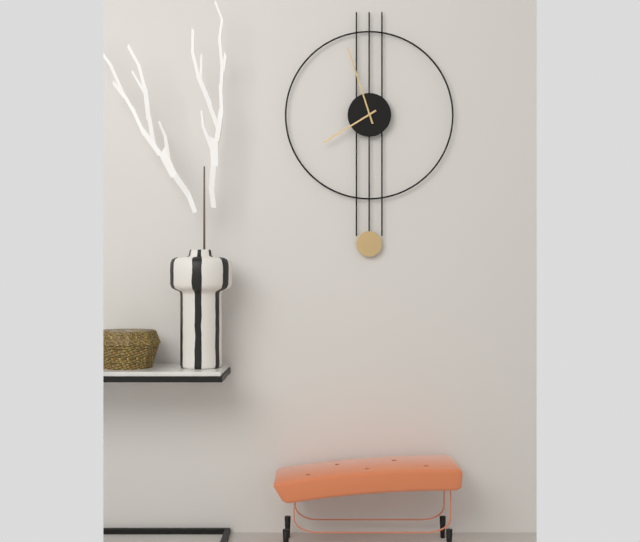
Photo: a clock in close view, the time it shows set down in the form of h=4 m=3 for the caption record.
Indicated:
h=7 m=57
